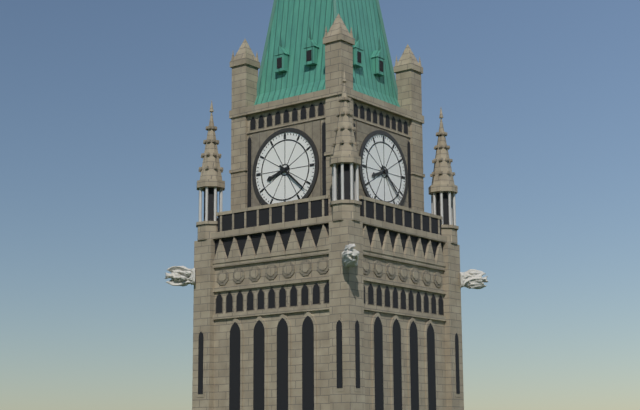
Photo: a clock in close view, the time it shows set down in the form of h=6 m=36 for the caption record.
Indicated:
h=8 m=22
